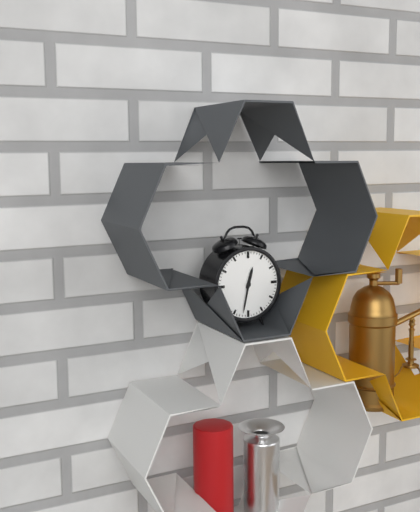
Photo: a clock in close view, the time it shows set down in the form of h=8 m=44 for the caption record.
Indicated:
h=12 m=32
